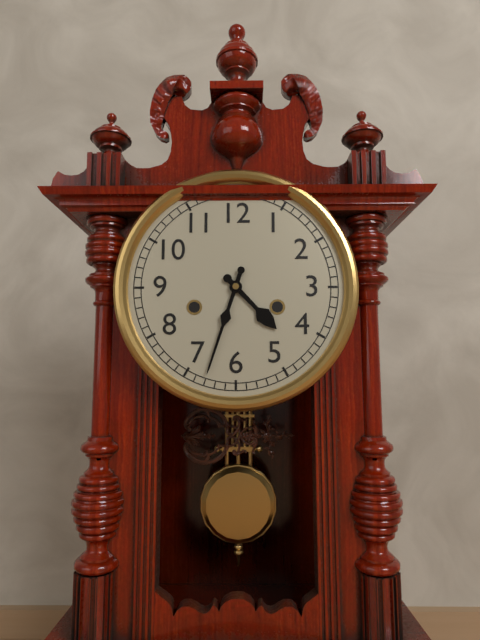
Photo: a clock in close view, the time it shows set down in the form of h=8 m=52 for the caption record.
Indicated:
h=4 m=33
